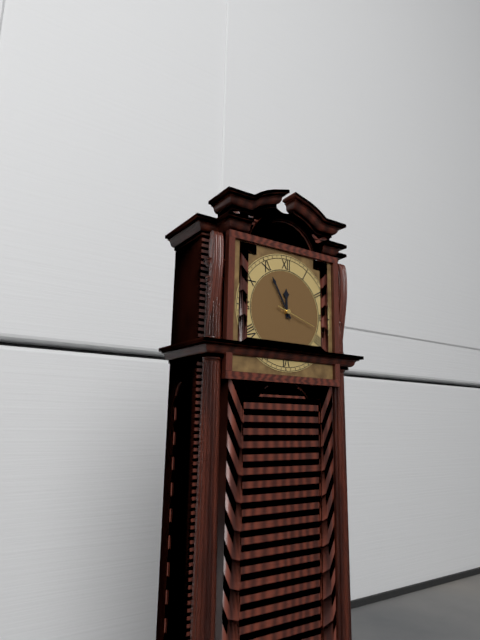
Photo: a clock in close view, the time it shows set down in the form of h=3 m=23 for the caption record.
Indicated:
h=11 m=55
